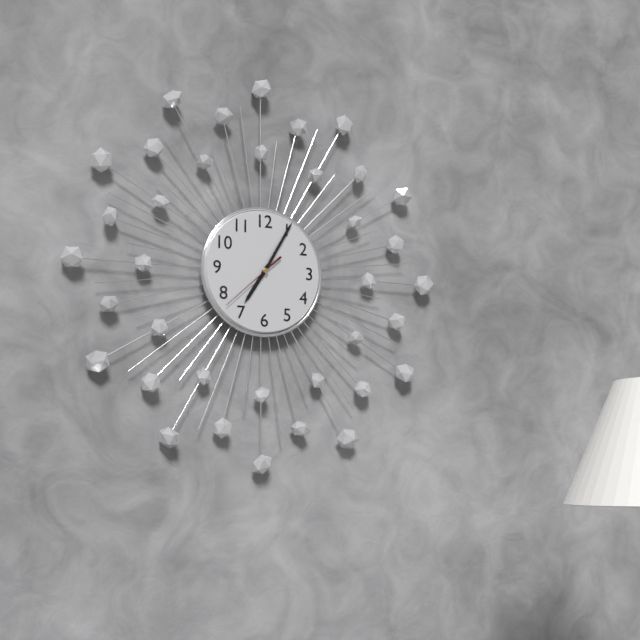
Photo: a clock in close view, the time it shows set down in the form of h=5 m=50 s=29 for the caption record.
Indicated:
h=7 m=5 s=38
